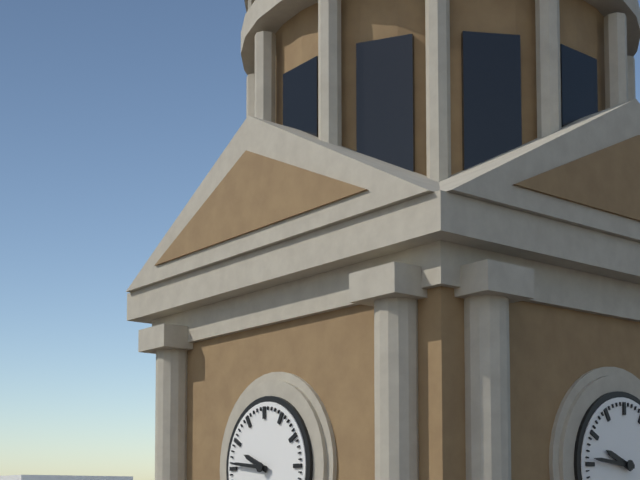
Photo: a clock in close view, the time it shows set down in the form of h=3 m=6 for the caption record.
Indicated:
h=9 m=46
